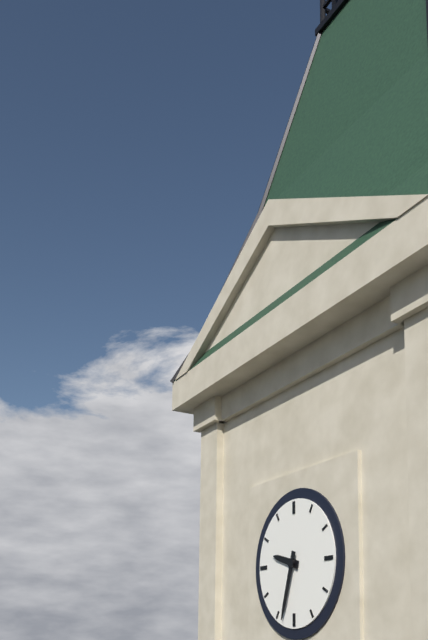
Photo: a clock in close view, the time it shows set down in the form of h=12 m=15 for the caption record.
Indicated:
h=9 m=33
